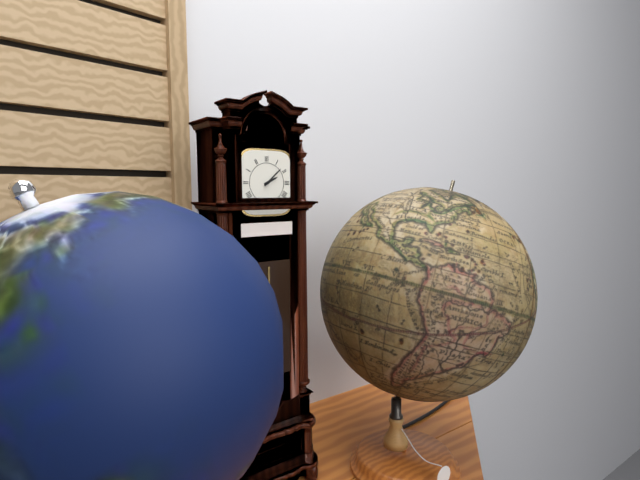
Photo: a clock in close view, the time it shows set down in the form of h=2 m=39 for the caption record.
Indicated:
h=2 m=8
